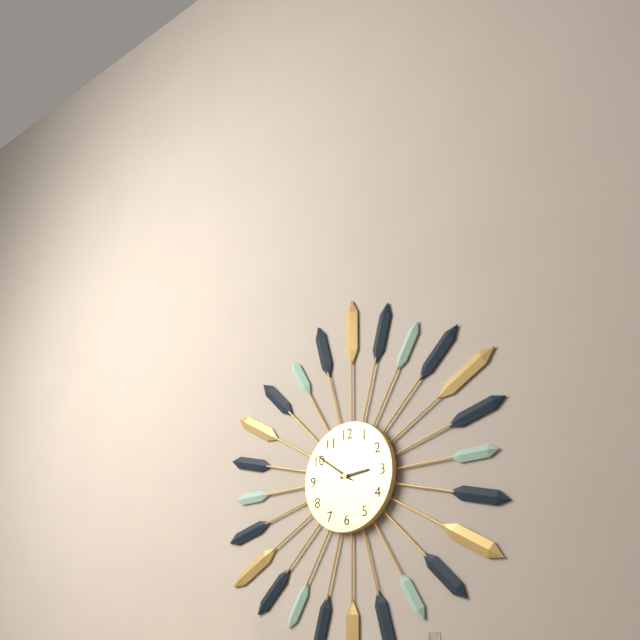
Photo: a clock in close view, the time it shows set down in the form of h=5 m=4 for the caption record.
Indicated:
h=2 m=51
